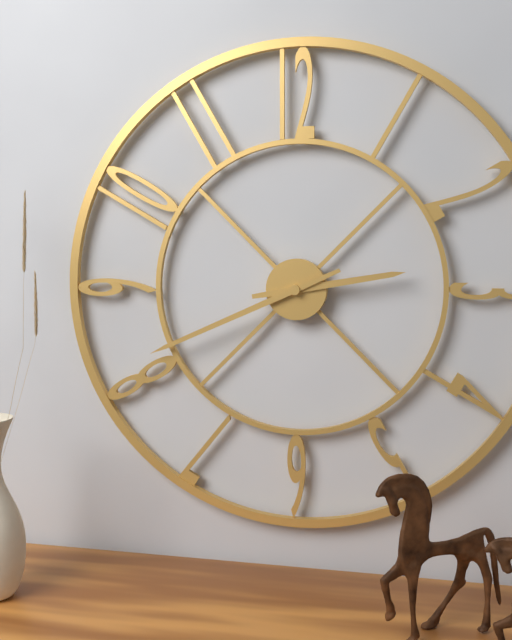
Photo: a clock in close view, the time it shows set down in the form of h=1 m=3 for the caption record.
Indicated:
h=2 m=41
